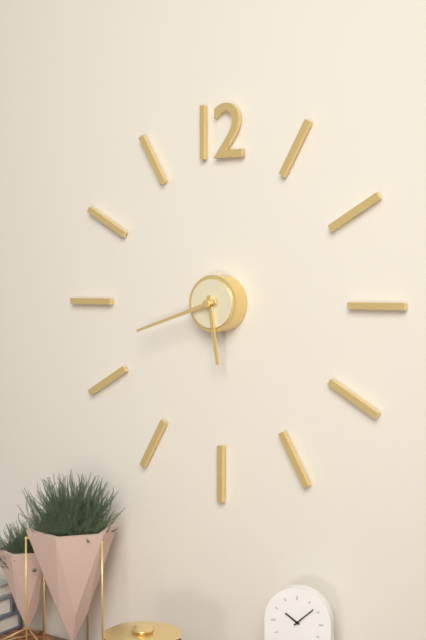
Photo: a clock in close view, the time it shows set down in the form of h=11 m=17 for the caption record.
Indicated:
h=5 m=42
